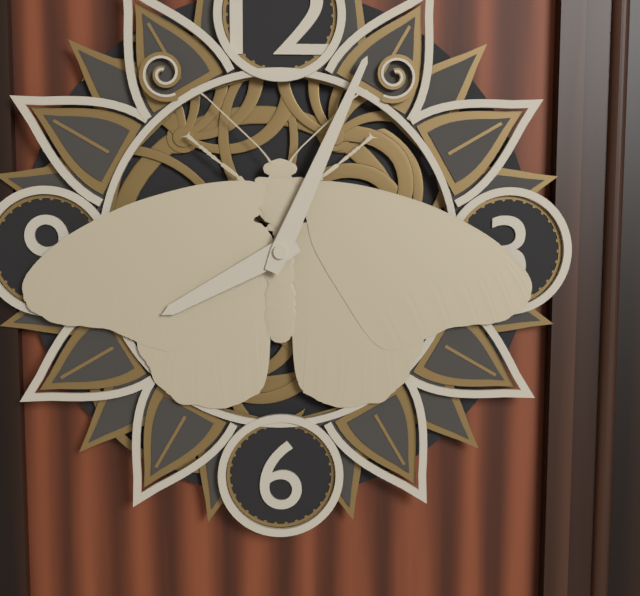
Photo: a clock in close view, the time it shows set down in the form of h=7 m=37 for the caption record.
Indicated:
h=8 m=4
